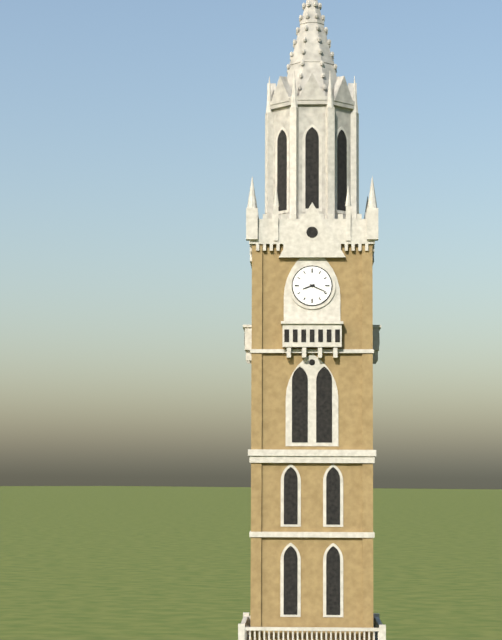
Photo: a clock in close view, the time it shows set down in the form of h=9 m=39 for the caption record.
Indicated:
h=8 m=19
